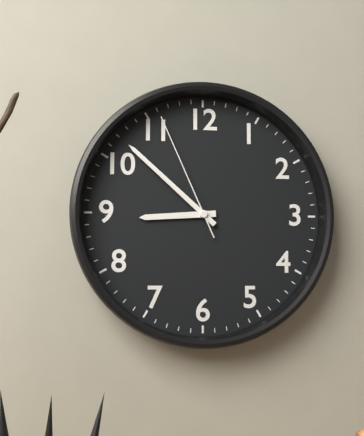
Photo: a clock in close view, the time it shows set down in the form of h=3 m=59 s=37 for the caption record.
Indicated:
h=8 m=52 s=56
